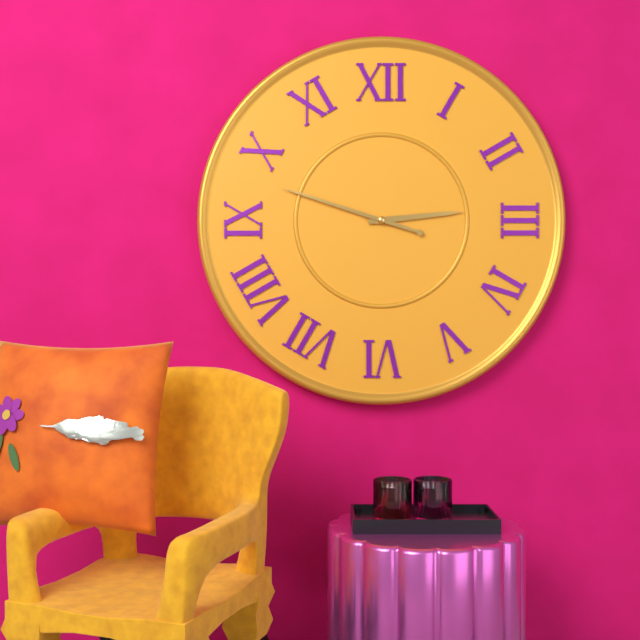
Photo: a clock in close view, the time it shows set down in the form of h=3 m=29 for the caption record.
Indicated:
h=2 m=48
